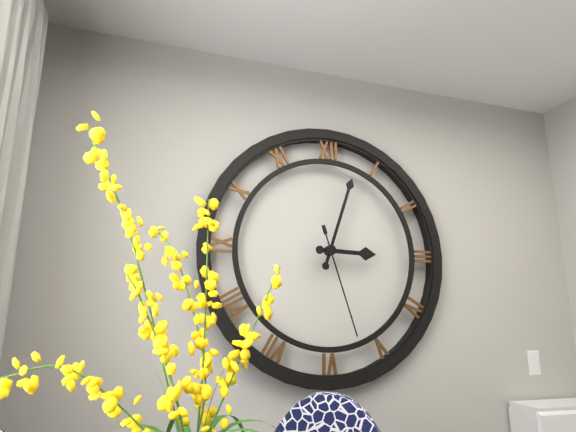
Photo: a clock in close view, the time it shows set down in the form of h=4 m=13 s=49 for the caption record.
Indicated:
h=3 m=3 s=27
